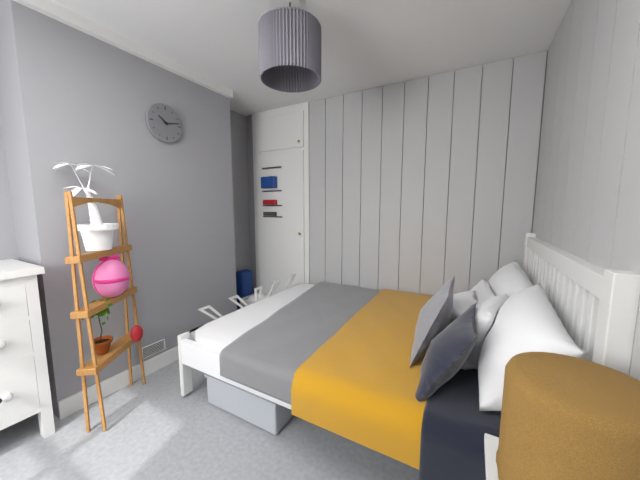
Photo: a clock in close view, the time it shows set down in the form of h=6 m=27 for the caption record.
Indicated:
h=10 m=13
